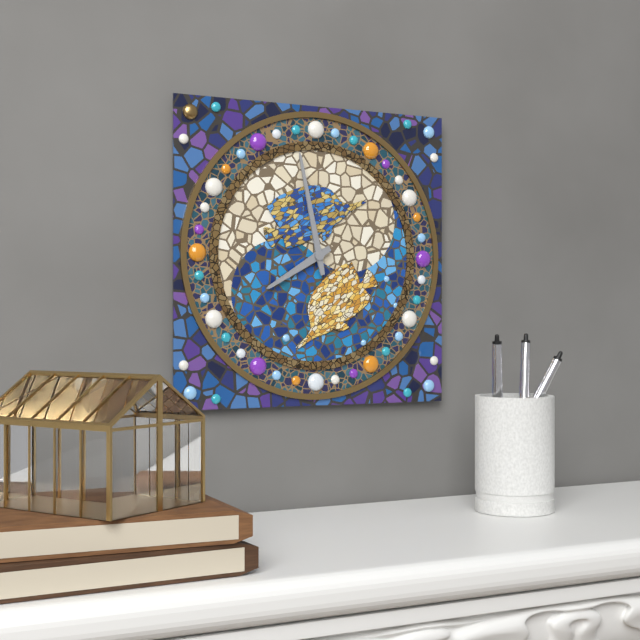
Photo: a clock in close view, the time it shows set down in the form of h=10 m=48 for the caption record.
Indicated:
h=7 m=58
